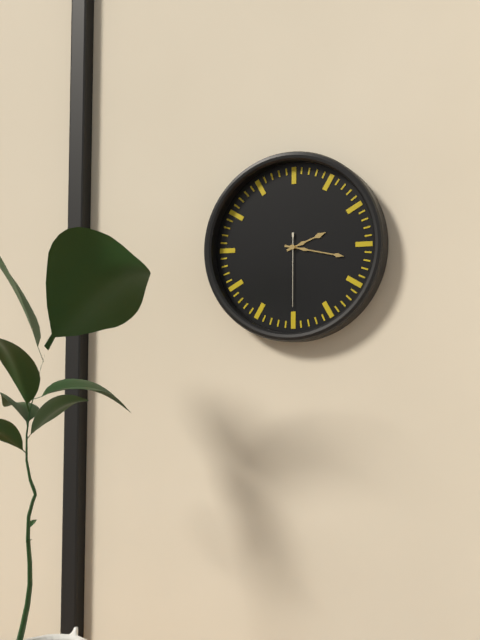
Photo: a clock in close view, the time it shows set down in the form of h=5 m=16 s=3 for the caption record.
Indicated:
h=2 m=17 s=30
